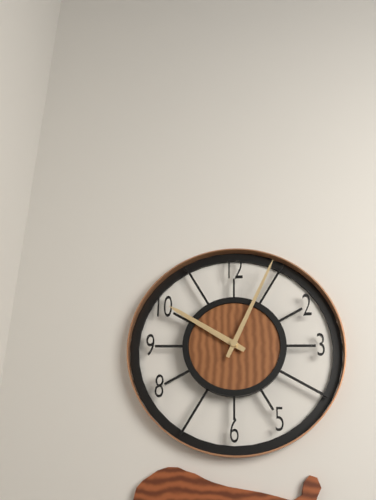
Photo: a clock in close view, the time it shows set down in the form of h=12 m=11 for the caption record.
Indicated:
h=10 m=4
